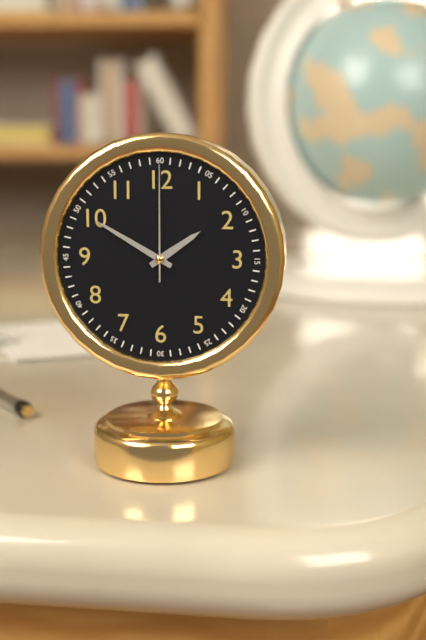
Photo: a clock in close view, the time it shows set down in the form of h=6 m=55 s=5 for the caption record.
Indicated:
h=1 m=50 s=0
